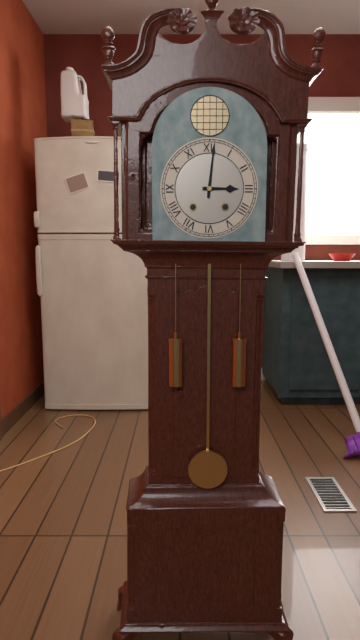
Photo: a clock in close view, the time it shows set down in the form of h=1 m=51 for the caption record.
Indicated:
h=3 m=1
